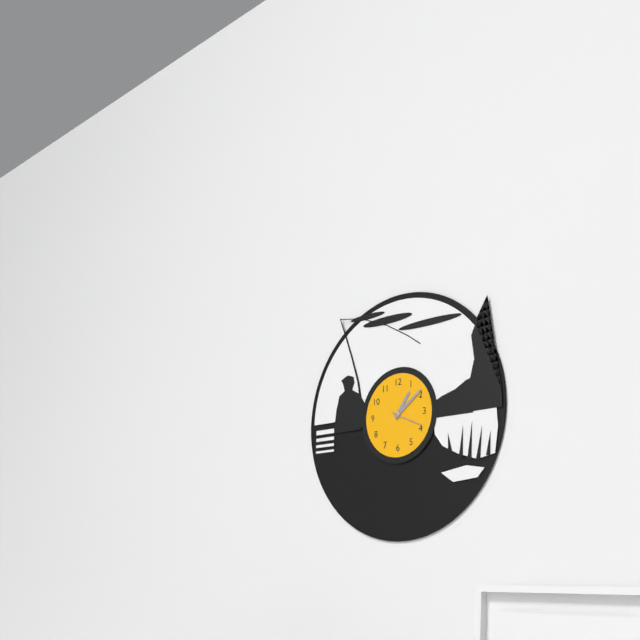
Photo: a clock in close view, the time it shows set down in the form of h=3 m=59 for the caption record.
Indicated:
h=1 m=9
